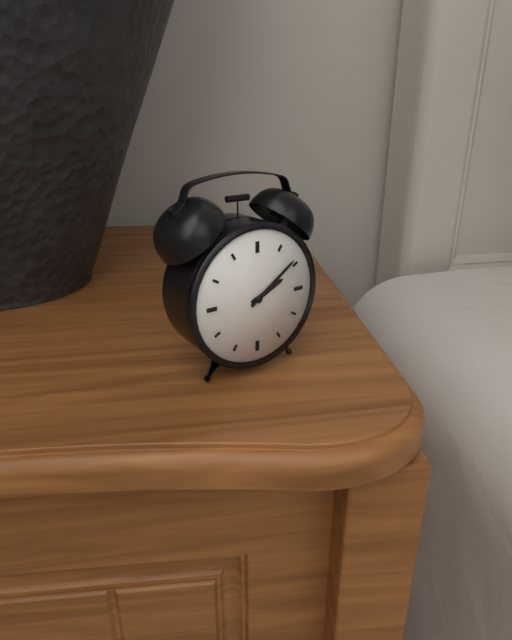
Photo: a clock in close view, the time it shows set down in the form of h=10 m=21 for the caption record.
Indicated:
h=2 m=9
